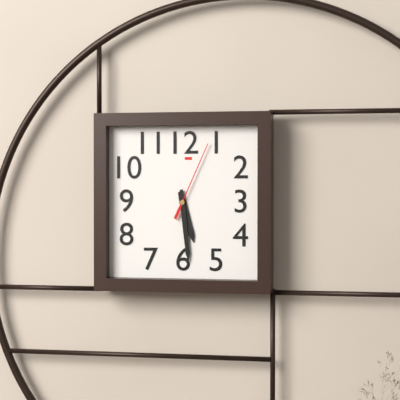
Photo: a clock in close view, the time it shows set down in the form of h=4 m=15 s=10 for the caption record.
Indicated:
h=5 m=29 s=4
